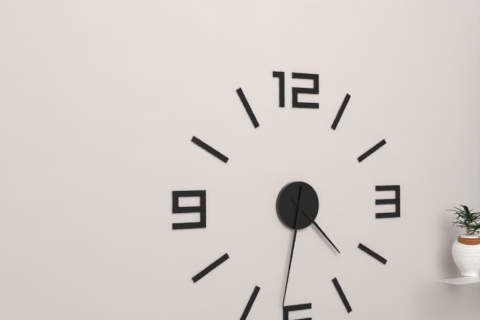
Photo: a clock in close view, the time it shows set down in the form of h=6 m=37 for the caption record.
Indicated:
h=4 m=32
